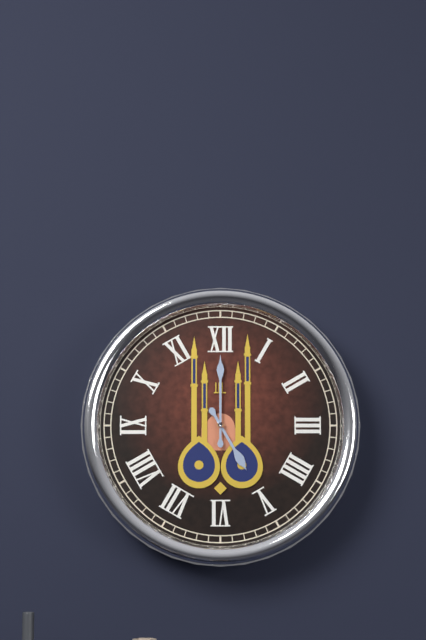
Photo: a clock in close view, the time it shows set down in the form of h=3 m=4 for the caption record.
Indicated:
h=5 m=0
